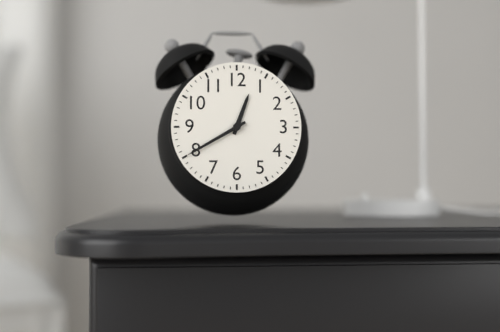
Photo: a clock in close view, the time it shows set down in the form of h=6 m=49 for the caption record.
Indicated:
h=12 m=40
